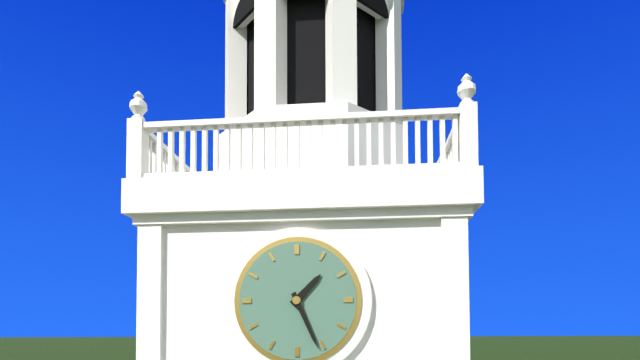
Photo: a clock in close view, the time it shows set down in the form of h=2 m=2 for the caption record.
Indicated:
h=1 m=26
